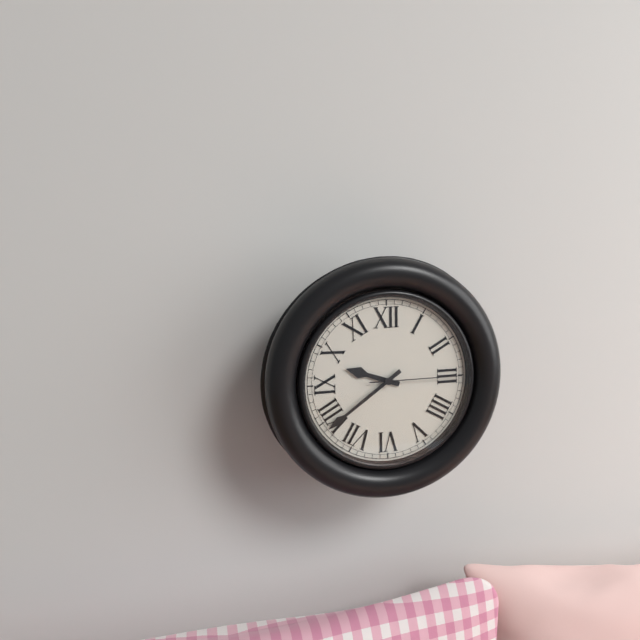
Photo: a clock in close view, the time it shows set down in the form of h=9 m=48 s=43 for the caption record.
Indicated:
h=9 m=39 s=15
